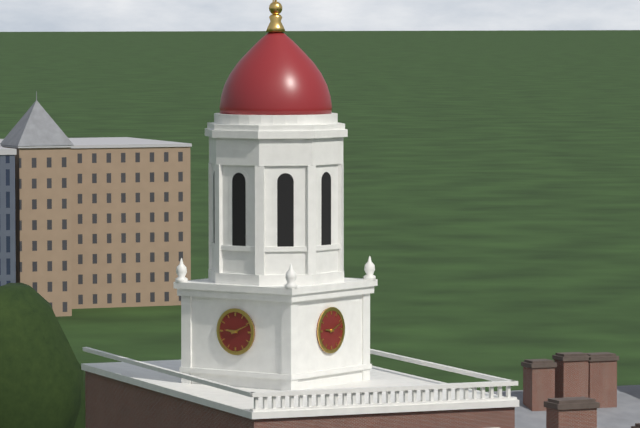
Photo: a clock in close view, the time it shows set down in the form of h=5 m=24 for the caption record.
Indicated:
h=9 m=11
